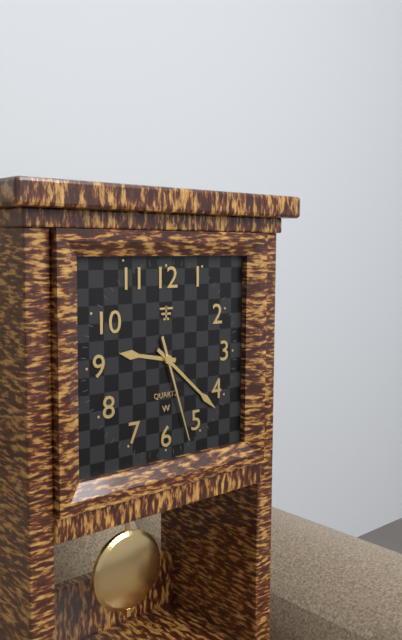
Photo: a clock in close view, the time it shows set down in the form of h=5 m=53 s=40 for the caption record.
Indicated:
h=9 m=22 s=27
